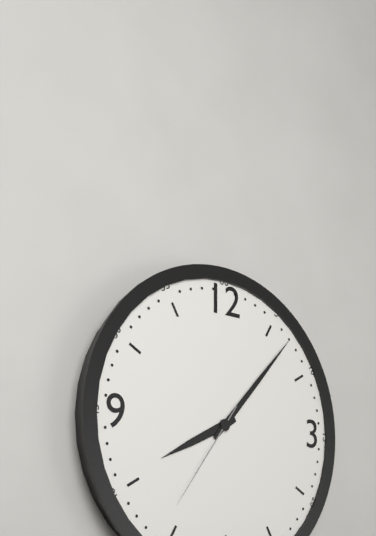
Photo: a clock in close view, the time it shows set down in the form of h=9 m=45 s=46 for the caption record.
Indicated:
h=8 m=7 s=36
